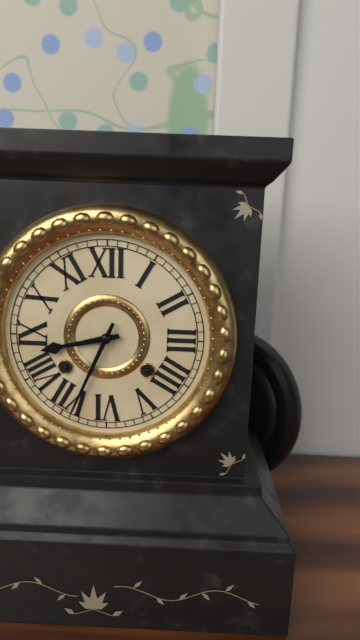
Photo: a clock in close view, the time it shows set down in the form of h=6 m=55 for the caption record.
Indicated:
h=8 m=34
